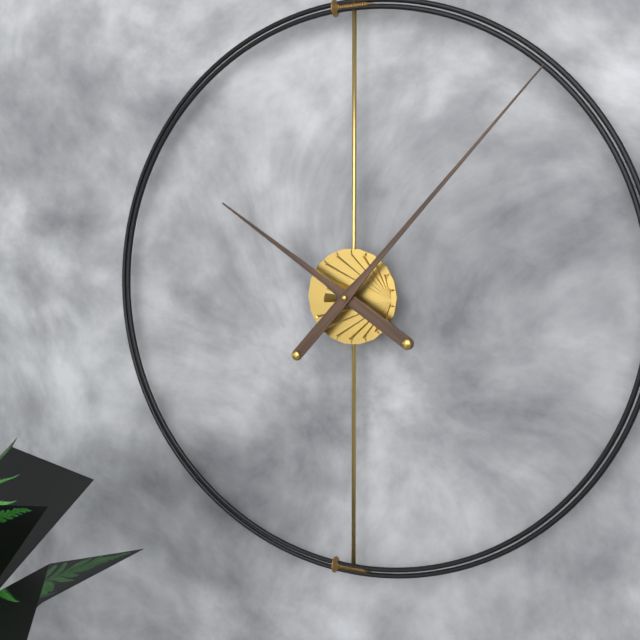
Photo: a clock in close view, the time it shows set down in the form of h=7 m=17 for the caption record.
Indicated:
h=10 m=7
